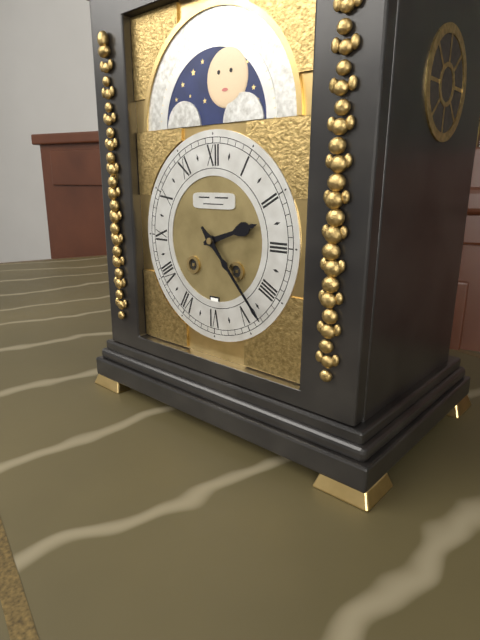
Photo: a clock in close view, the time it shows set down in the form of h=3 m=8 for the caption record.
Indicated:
h=2 m=23
